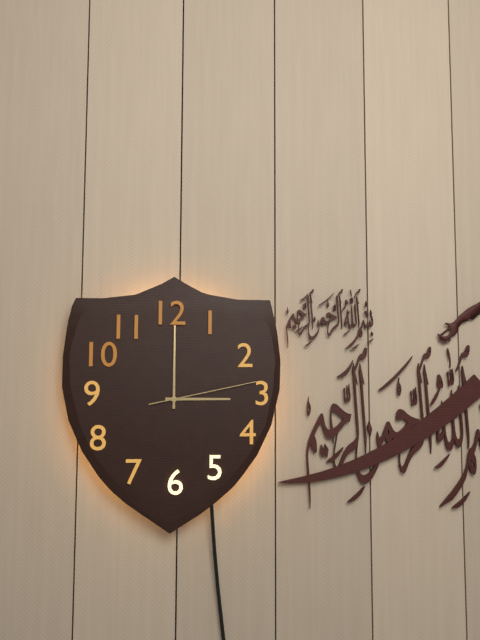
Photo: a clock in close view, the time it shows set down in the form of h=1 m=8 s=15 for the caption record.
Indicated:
h=3 m=0 s=13
